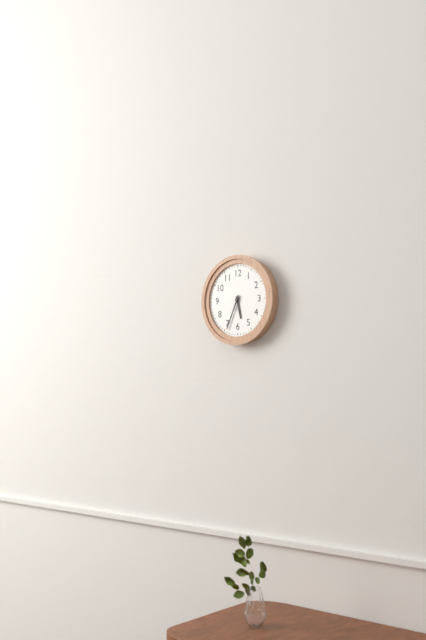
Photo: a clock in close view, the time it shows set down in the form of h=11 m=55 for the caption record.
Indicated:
h=5 m=34
